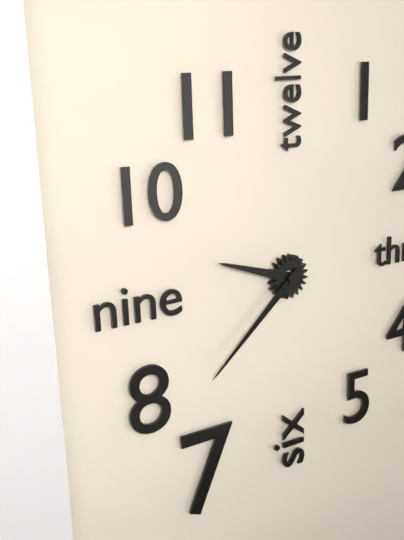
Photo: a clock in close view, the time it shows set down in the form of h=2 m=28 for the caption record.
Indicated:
h=9 m=38
